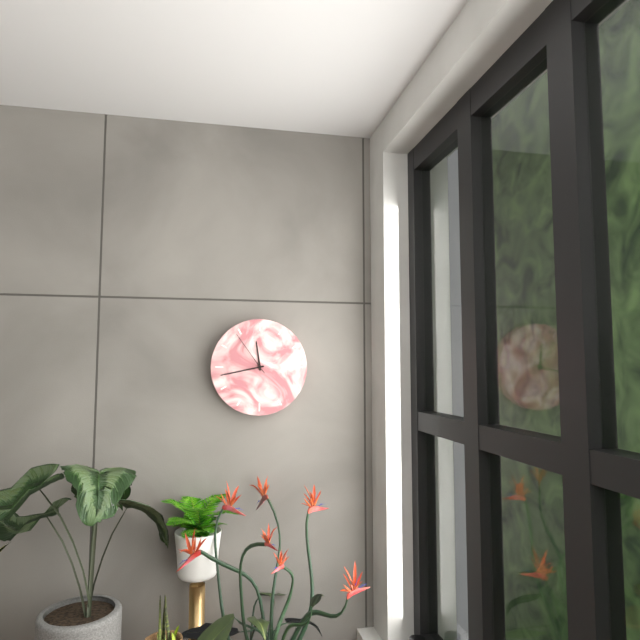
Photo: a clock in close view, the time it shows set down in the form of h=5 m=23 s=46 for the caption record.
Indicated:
h=11 m=43 s=54
